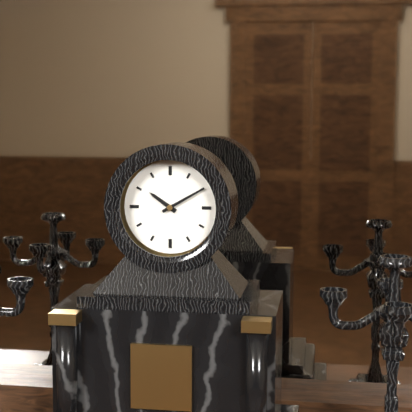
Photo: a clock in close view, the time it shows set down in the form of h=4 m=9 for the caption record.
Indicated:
h=10 m=10
